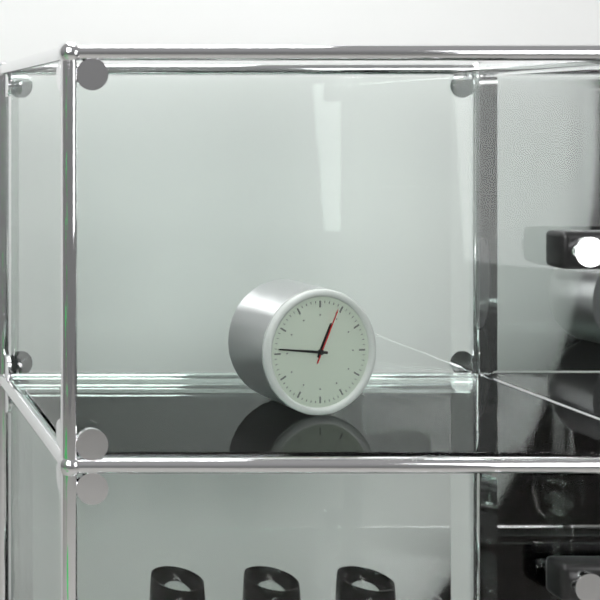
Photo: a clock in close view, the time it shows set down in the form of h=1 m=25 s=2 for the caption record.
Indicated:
h=12 m=46 s=4
